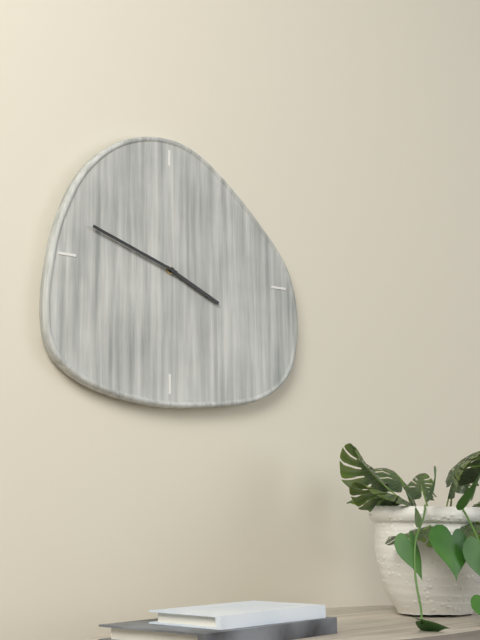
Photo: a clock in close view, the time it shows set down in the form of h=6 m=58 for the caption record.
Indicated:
h=3 m=48
